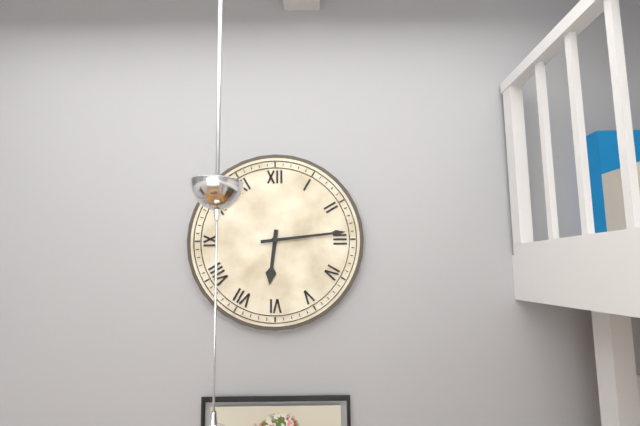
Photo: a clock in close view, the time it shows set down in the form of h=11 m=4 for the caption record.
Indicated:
h=6 m=14
